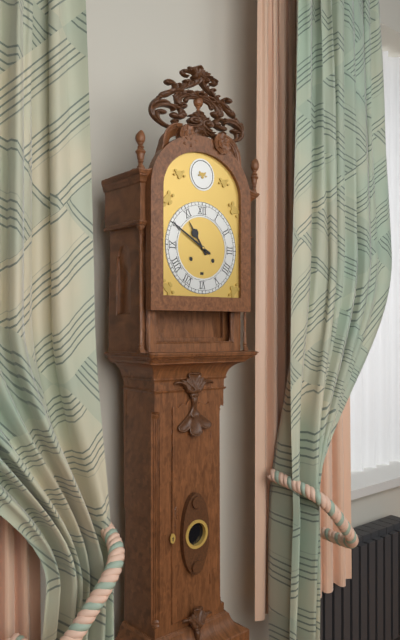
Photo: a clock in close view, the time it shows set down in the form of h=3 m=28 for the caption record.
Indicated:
h=10 m=50
